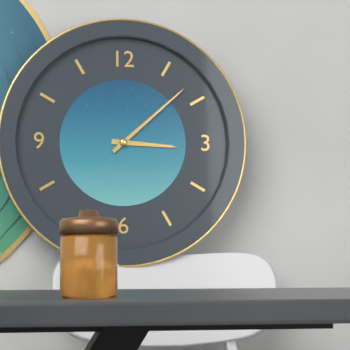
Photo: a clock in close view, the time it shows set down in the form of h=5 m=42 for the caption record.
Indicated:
h=3 m=8
